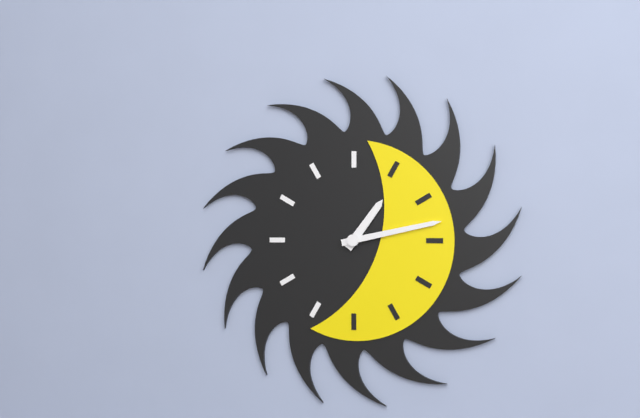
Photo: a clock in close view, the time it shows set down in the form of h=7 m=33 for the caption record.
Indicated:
h=1 m=13
